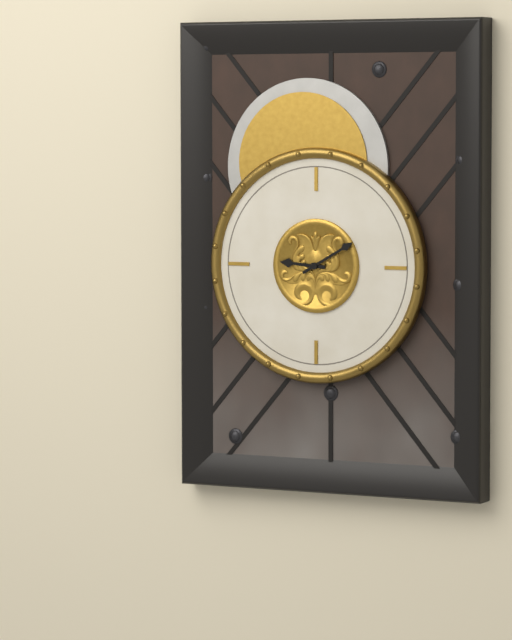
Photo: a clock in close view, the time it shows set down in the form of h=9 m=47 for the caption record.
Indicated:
h=9 m=10
